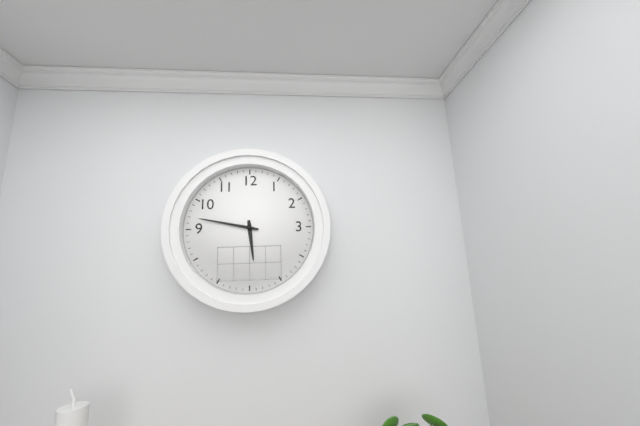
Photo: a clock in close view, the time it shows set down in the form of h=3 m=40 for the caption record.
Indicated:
h=5 m=47
